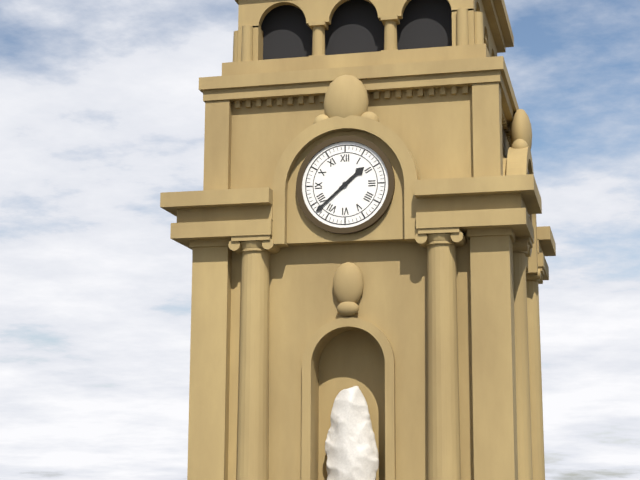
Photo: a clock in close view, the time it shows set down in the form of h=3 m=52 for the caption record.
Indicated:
h=1 m=38
